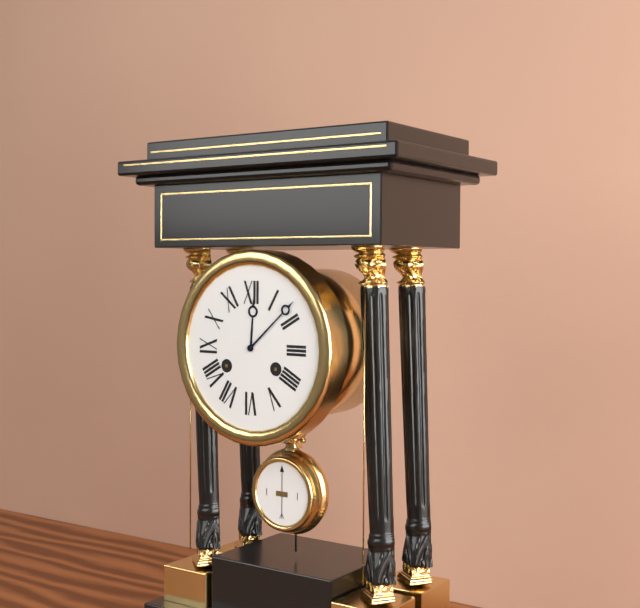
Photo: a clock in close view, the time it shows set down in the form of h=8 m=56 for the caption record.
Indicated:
h=12 m=8
